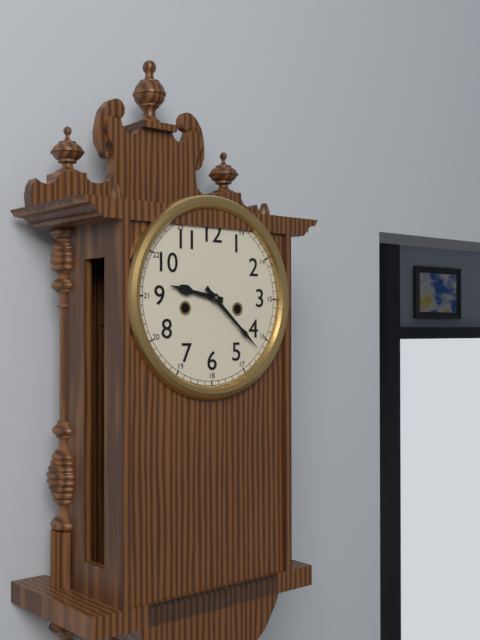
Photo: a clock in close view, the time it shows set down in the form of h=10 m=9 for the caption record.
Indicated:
h=9 m=22
